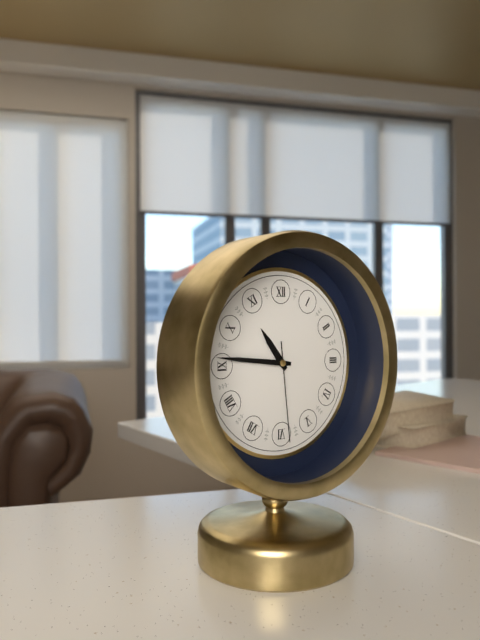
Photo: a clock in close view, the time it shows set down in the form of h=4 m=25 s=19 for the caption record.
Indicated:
h=10 m=46 s=29
